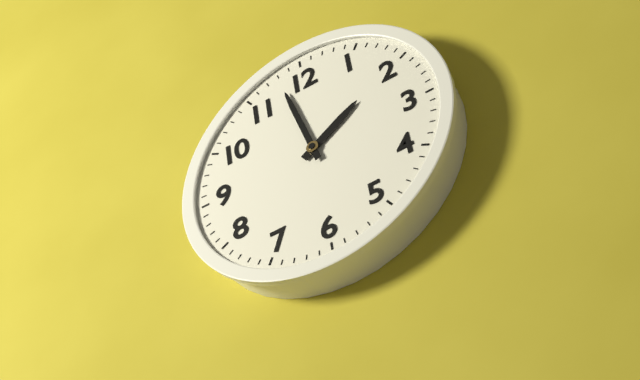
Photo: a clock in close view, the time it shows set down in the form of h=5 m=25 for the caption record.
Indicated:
h=1 m=58
